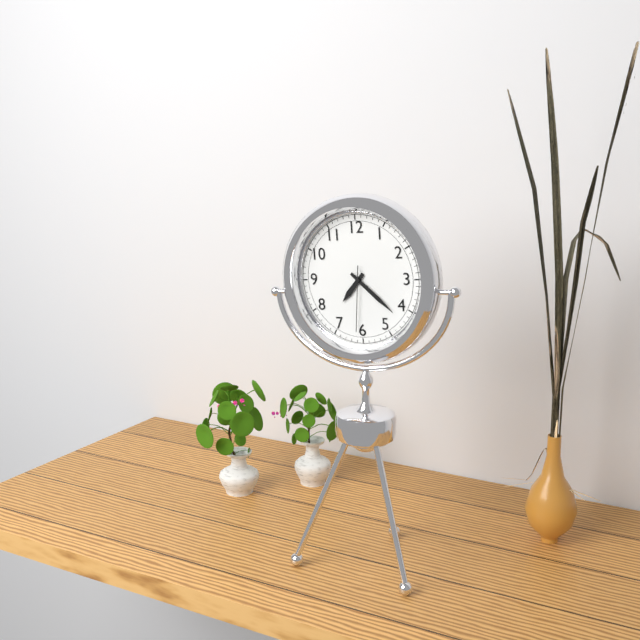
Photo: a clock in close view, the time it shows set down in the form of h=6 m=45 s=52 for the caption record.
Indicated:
h=7 m=22 s=31
